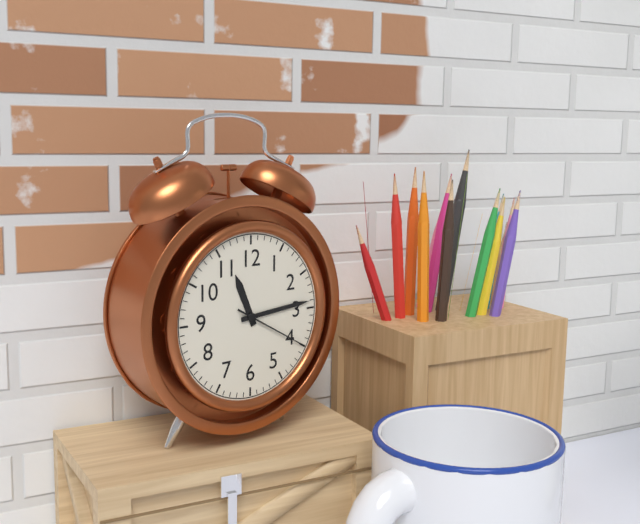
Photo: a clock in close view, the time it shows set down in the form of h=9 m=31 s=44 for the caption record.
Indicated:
h=11 m=14 s=20
